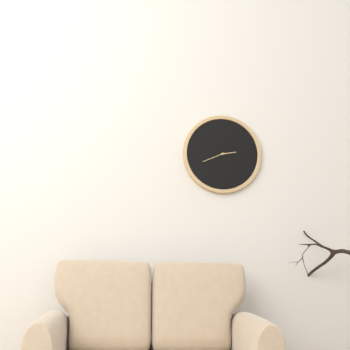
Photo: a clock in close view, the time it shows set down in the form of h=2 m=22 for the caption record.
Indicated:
h=2 m=41
